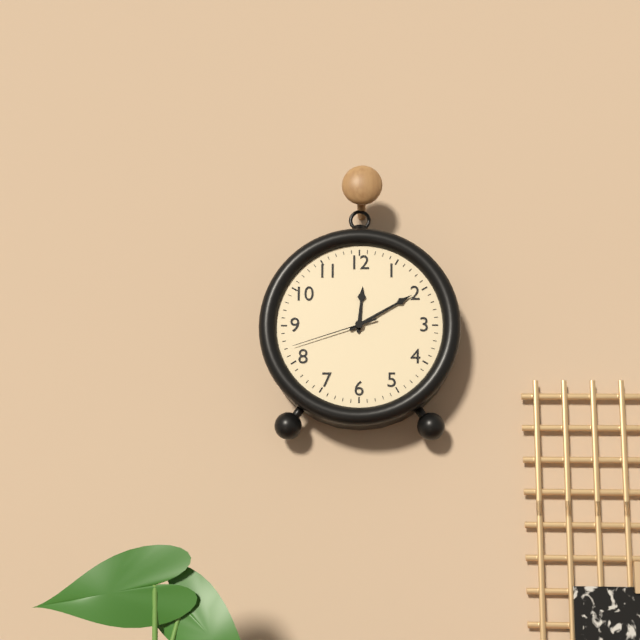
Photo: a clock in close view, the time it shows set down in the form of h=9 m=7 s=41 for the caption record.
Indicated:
h=12 m=10 s=42
